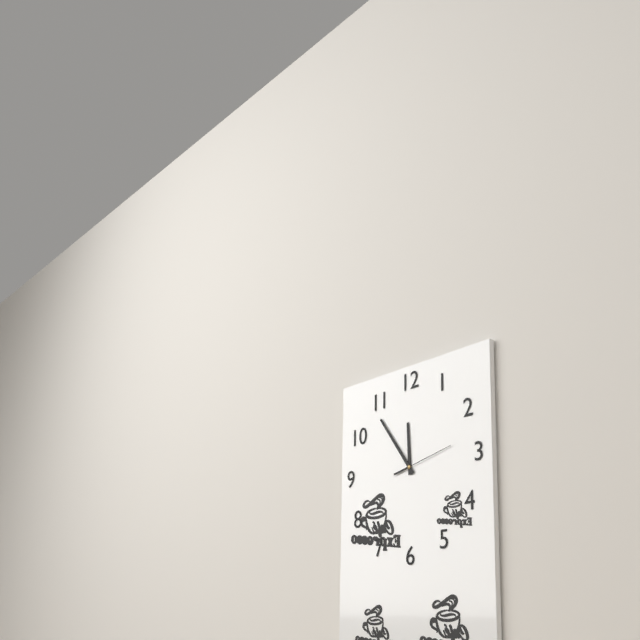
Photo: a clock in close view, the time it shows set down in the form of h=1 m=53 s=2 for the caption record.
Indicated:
h=11 m=54 s=13
